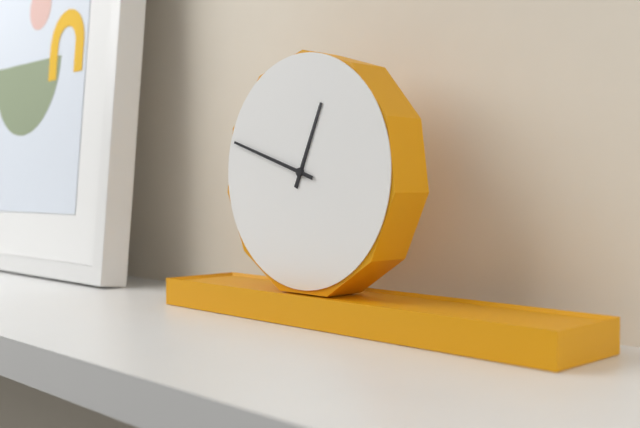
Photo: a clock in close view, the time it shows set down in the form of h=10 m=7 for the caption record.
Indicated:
h=12 m=48
